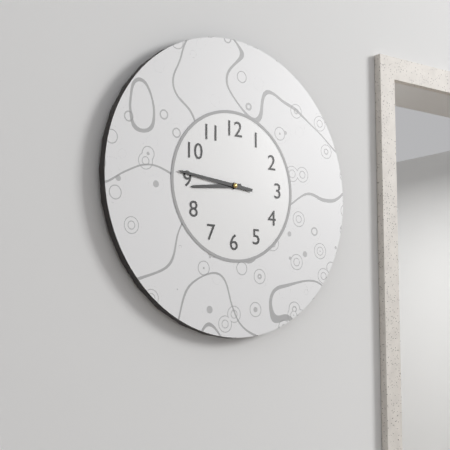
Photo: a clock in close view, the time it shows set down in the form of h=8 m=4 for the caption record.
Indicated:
h=8 m=46
